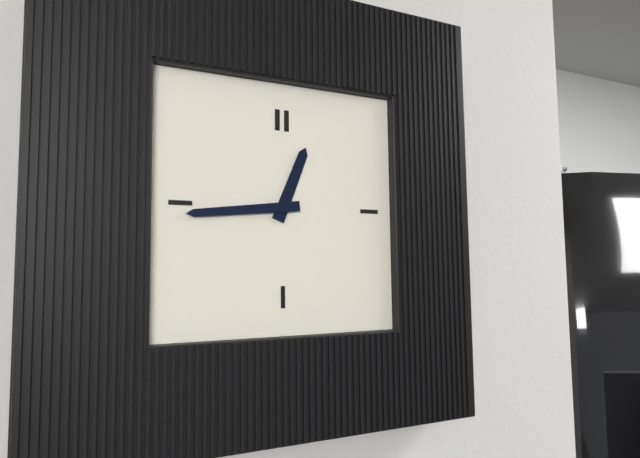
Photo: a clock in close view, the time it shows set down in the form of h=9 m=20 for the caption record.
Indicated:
h=12 m=44
